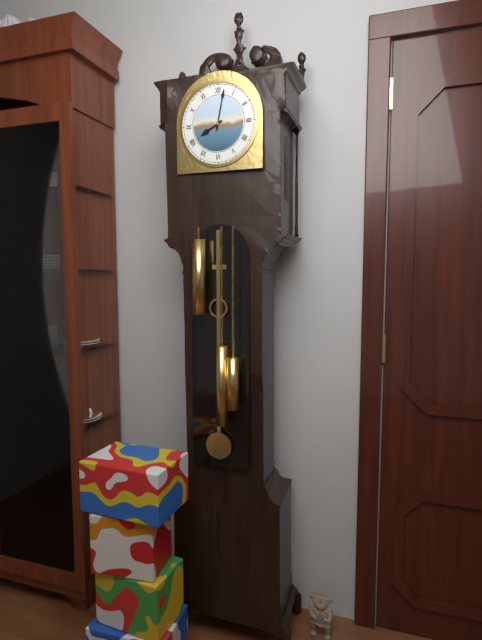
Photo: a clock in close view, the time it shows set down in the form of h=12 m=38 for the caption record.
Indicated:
h=8 m=2
